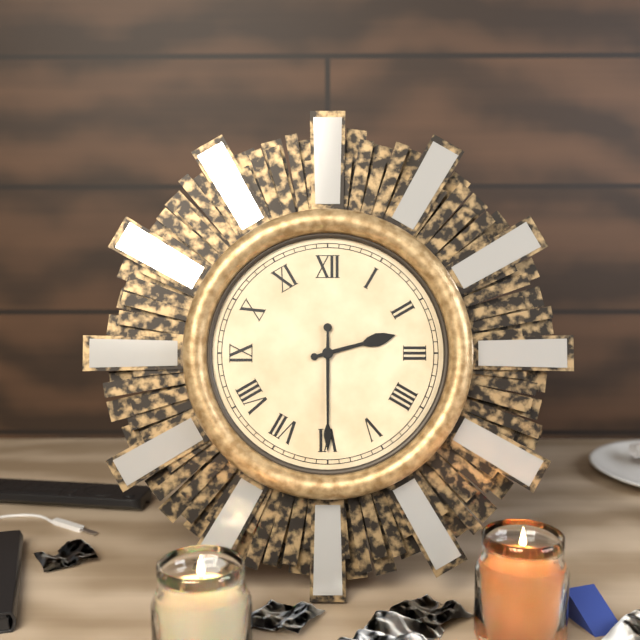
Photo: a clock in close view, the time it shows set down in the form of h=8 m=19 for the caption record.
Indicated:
h=2 m=30
